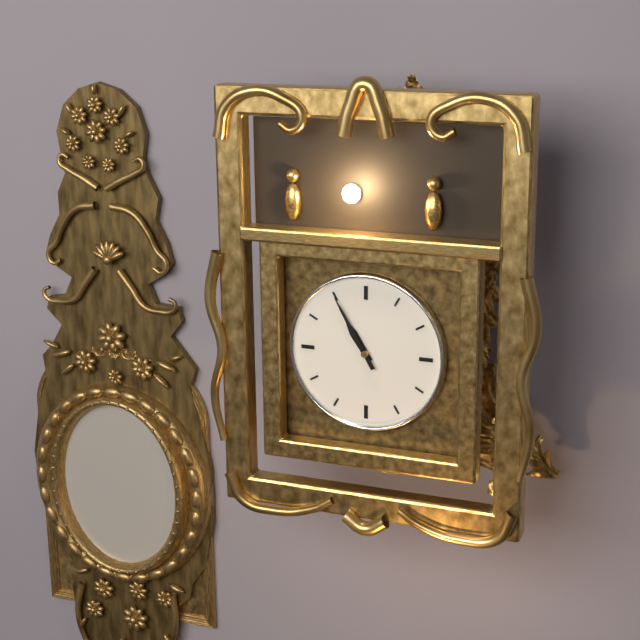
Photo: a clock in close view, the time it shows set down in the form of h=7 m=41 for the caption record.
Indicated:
h=10 m=55
